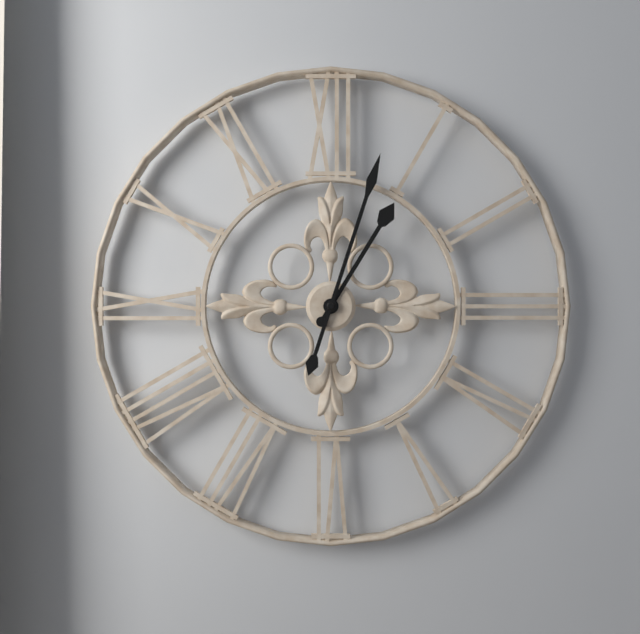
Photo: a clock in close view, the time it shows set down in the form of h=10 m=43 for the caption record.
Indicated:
h=1 m=3
